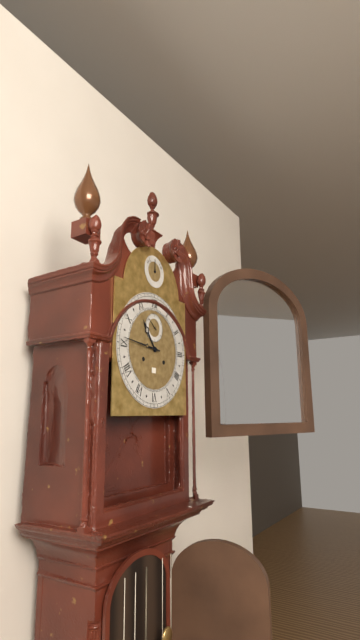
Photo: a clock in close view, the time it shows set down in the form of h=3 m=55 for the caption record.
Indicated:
h=10 m=46
